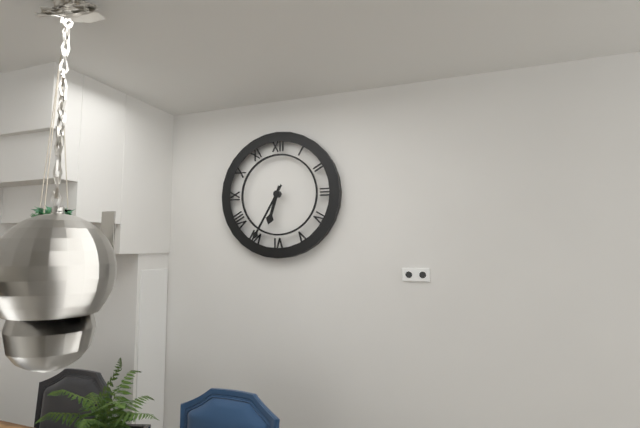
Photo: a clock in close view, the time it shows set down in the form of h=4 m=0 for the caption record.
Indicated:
h=6 m=35
